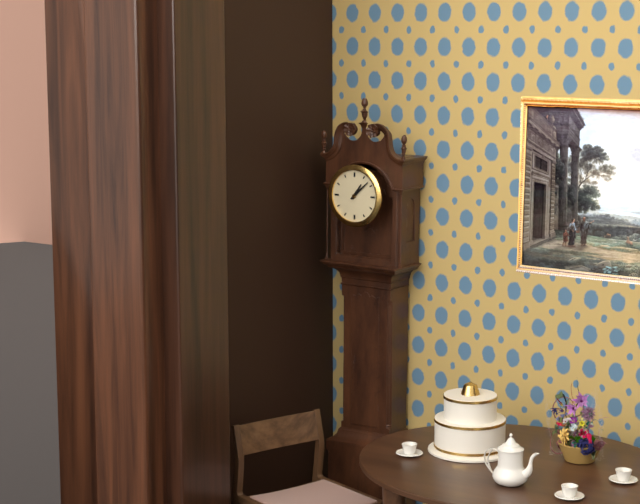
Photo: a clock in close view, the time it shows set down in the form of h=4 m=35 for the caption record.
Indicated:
h=1 m=8
